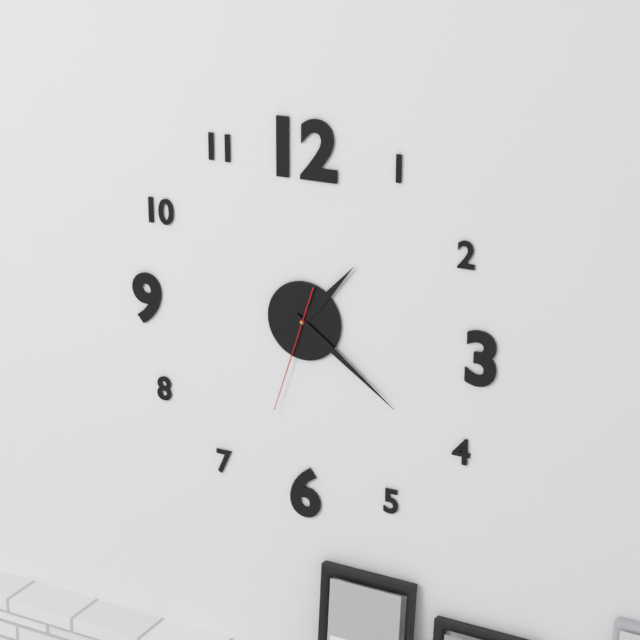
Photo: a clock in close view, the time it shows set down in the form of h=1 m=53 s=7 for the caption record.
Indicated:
h=1 m=21 s=33
